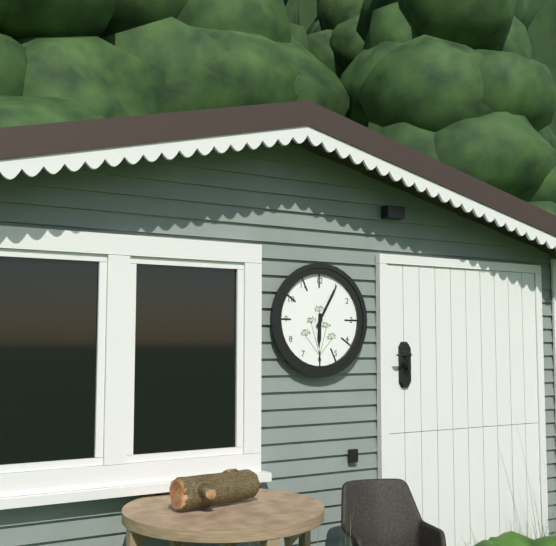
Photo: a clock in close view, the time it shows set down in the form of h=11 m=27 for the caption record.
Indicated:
h=6 m=5
